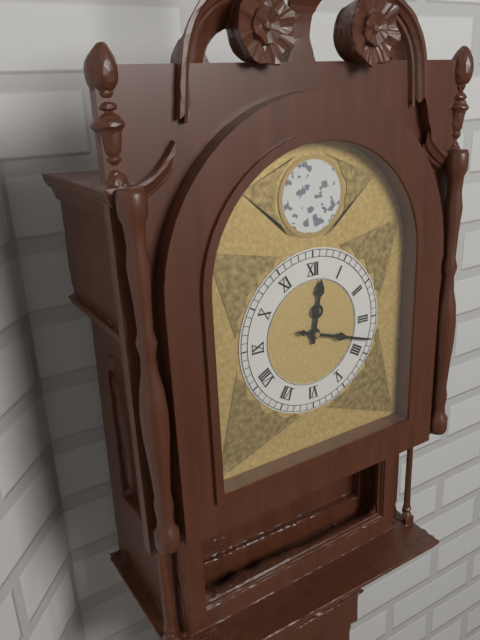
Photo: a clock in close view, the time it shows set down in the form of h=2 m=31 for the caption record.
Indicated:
h=12 m=18
